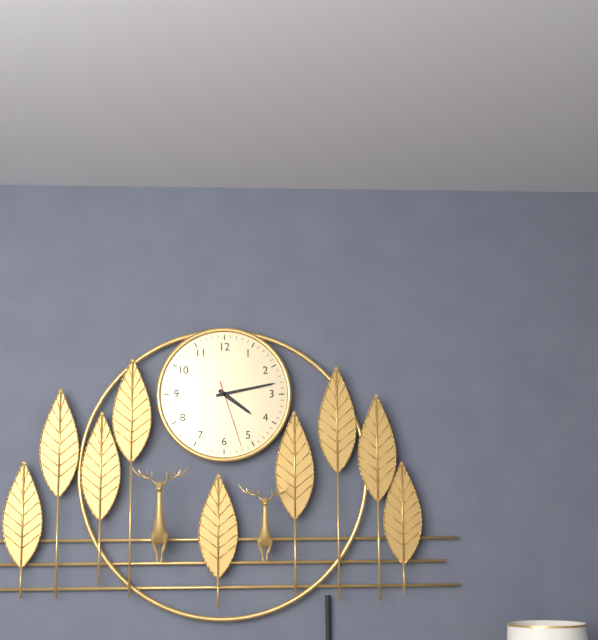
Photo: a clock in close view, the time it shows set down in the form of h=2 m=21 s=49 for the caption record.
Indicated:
h=4 m=13 s=27
